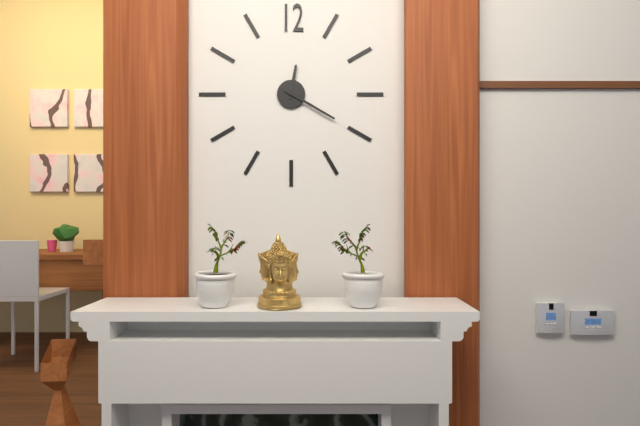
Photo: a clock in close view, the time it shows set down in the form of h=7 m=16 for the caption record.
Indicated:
h=12 m=20
